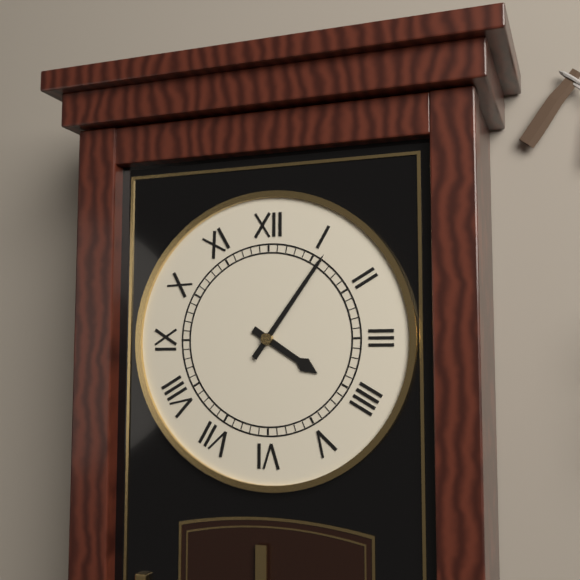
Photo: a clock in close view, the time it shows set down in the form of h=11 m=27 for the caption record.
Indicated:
h=4 m=6
